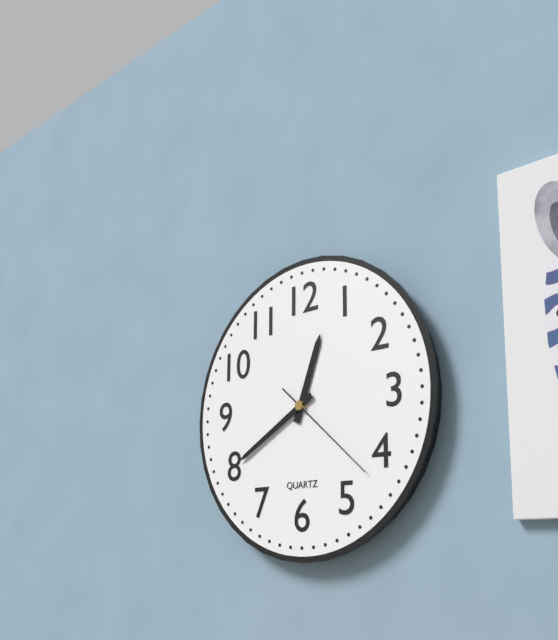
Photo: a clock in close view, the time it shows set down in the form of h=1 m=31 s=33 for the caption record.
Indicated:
h=12 m=40 s=22
